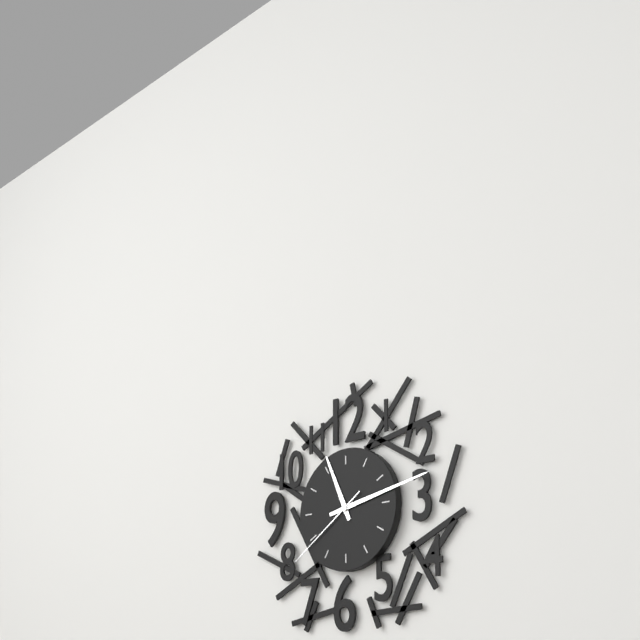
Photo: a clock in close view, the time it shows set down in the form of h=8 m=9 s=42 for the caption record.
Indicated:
h=11 m=13 s=39
